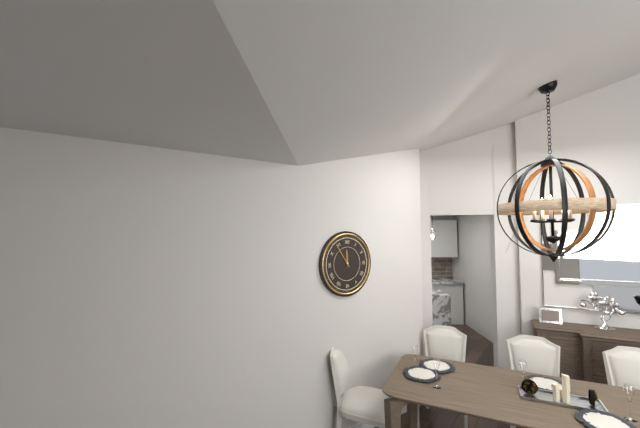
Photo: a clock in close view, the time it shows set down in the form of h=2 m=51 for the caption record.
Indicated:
h=11 m=54
